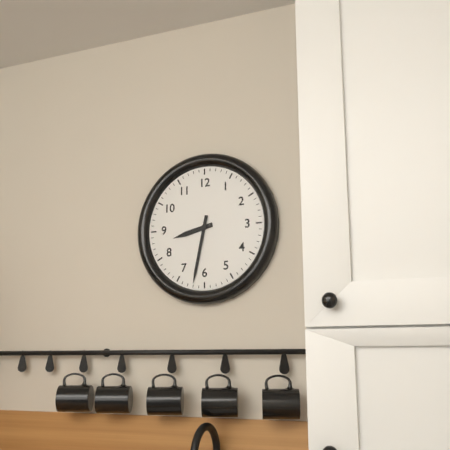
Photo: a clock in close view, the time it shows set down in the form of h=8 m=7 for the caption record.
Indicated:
h=8 m=32
